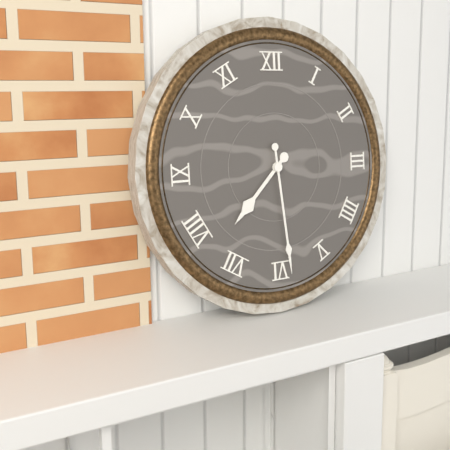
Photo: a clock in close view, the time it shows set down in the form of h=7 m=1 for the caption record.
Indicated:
h=7 m=29
